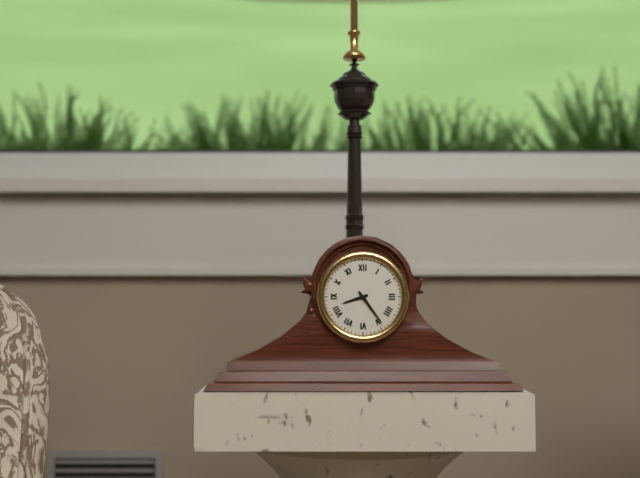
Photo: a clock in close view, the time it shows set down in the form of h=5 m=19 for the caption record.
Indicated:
h=8 m=24
